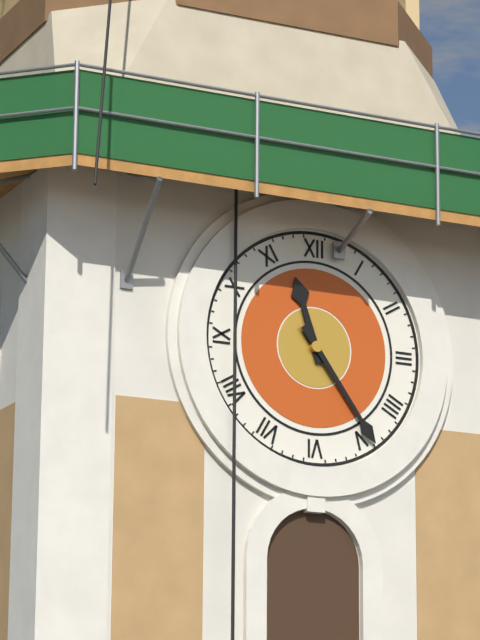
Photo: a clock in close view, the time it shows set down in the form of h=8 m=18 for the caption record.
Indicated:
h=11 m=24
